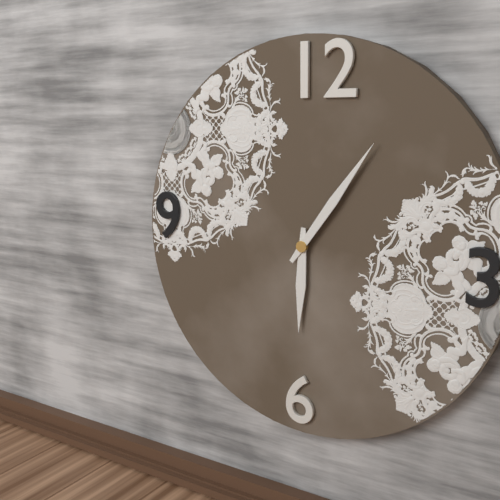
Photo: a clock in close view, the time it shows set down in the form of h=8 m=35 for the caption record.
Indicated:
h=6 m=6
